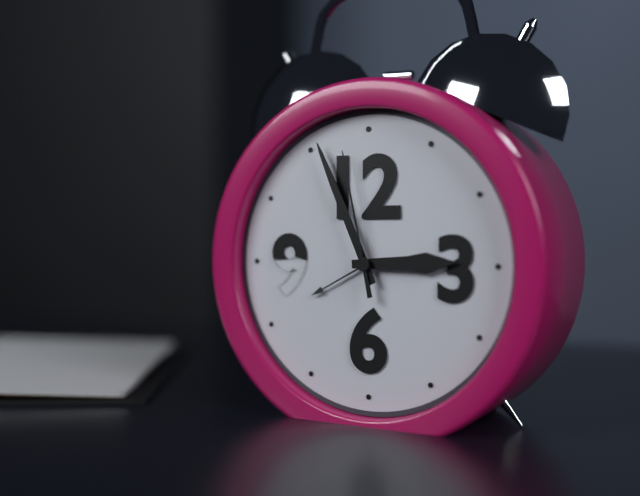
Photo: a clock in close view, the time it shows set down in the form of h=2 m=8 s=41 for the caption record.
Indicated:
h=2 m=56 s=58
